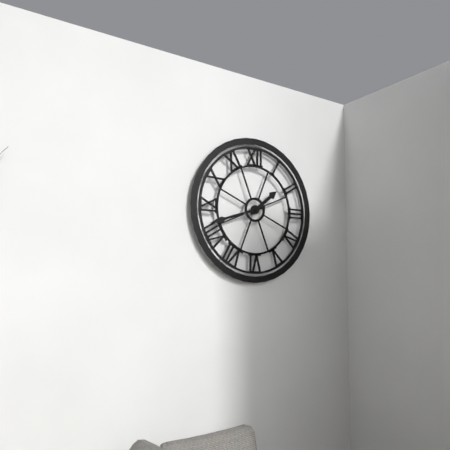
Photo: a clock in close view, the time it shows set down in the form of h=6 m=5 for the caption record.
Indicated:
h=1 m=42
